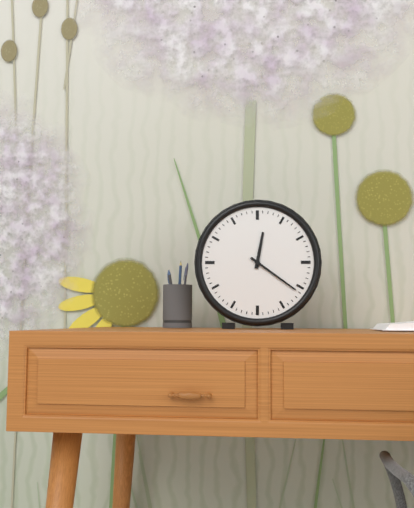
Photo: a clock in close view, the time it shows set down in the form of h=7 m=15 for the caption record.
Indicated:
h=12 m=21
